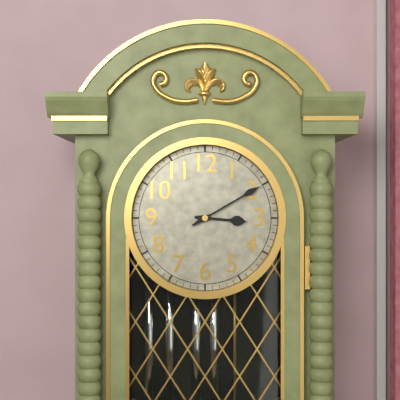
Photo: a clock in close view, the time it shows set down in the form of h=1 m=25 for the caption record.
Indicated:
h=3 m=10
